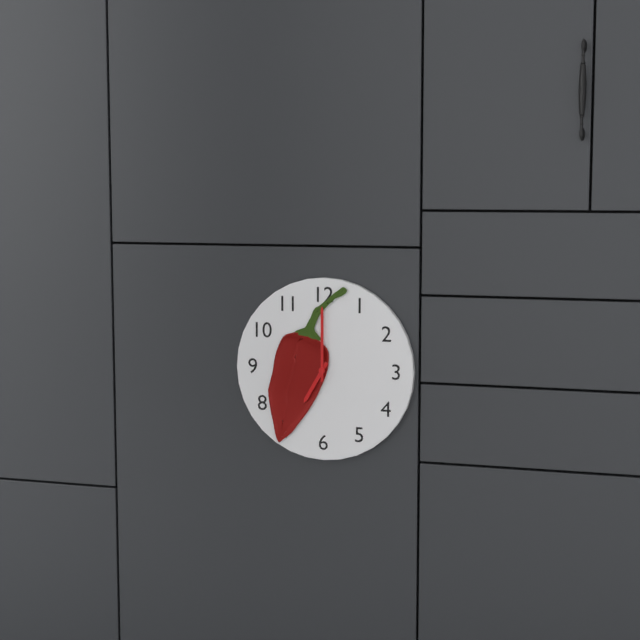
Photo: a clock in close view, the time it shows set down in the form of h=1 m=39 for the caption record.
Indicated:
h=7 m=0
